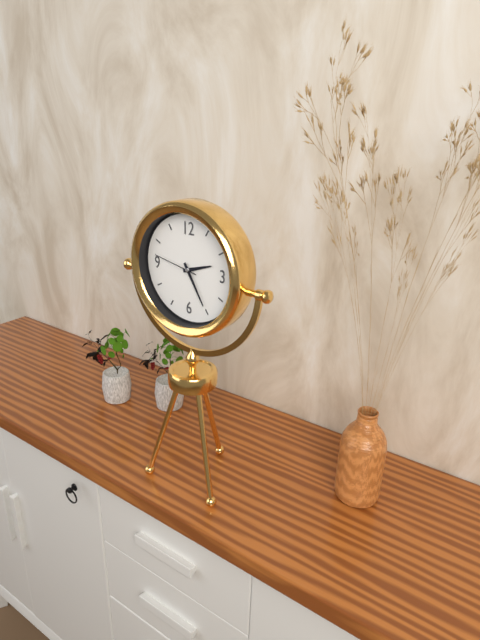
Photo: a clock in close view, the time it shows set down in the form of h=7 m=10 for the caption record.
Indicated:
h=2 m=25
